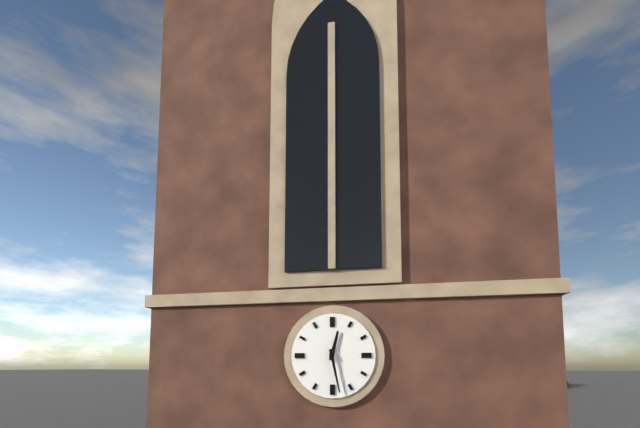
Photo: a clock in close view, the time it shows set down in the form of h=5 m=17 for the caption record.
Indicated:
h=12 m=28
